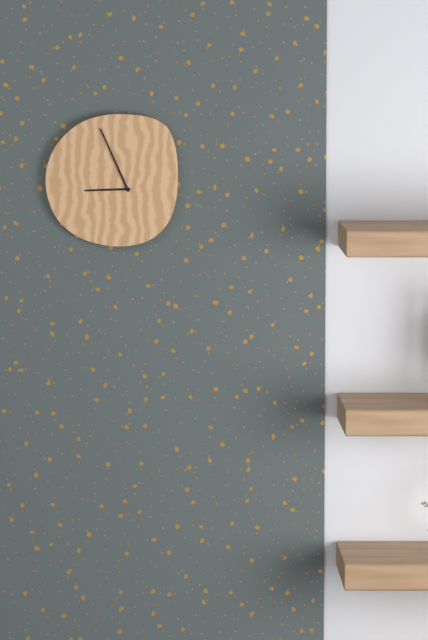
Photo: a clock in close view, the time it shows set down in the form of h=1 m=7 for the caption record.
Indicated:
h=8 m=56
